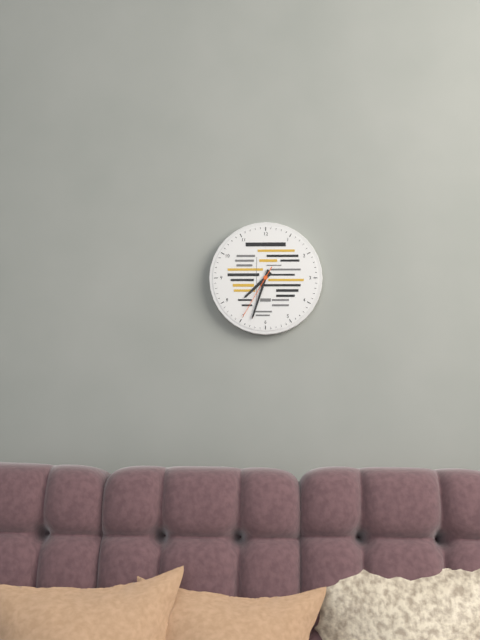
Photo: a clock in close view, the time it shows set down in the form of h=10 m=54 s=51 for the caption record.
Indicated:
h=7 m=33 s=35
